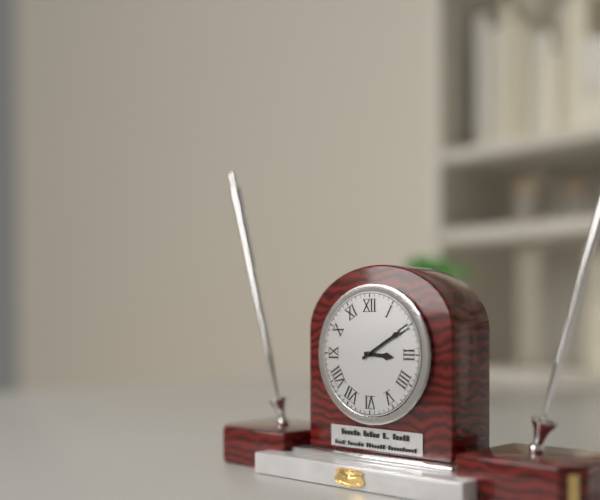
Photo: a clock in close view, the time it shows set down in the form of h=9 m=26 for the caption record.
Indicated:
h=3 m=10
